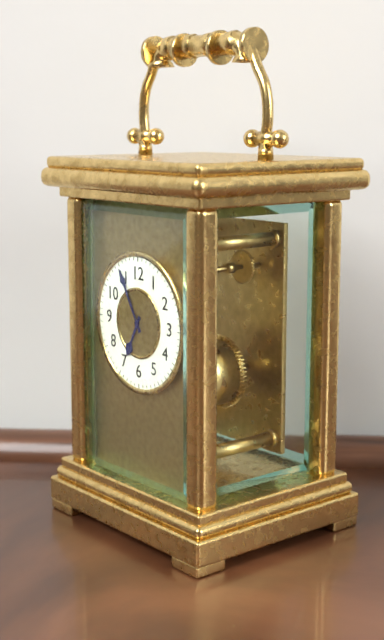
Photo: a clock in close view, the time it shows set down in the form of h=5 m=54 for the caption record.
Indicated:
h=6 m=55
